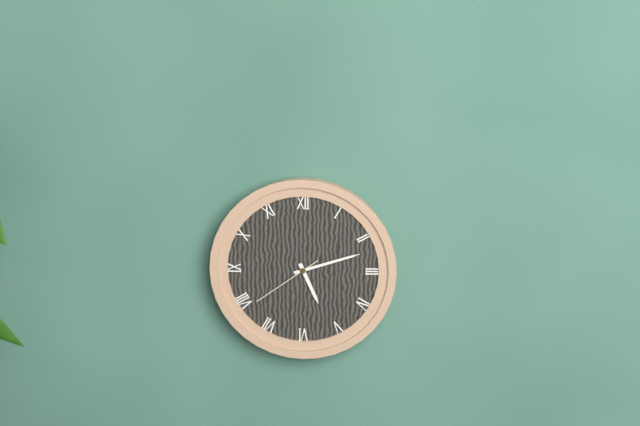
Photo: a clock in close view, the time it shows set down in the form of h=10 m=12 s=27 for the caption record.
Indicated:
h=5 m=12 s=39
